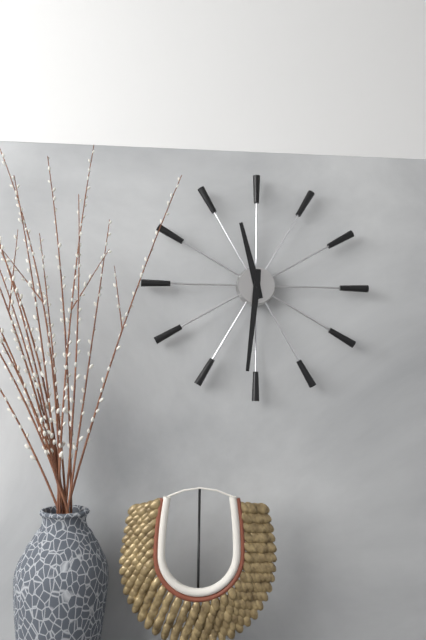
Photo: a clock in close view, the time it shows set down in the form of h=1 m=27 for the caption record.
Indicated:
h=11 m=31
